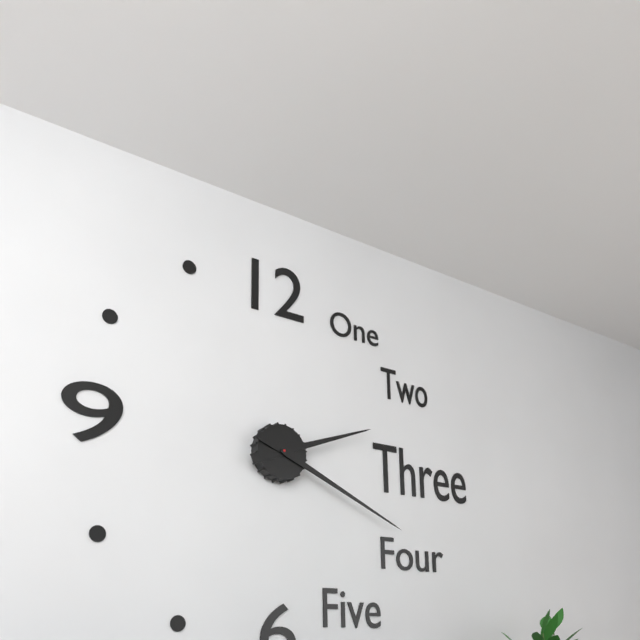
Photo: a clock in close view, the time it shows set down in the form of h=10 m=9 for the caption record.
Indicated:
h=2 m=19
